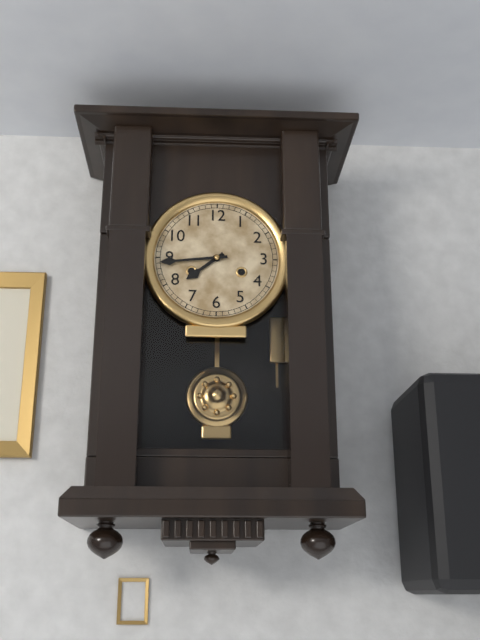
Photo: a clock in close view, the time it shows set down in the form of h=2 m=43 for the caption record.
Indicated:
h=7 m=44
